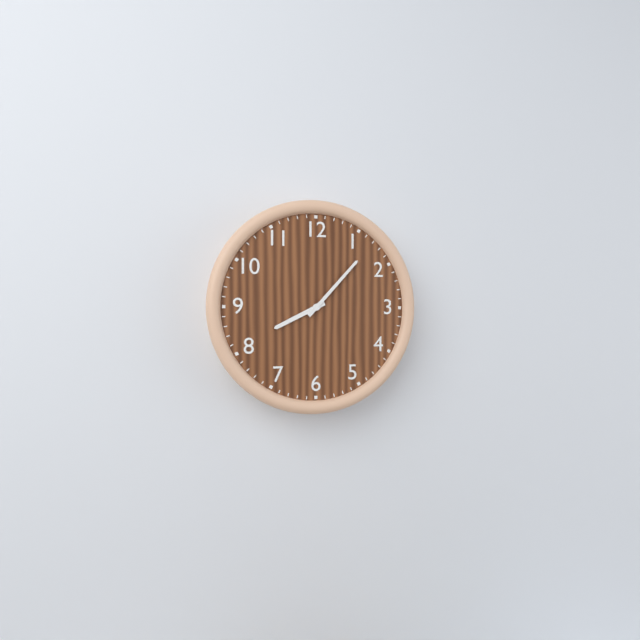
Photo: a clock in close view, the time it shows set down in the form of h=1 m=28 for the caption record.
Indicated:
h=8 m=7
